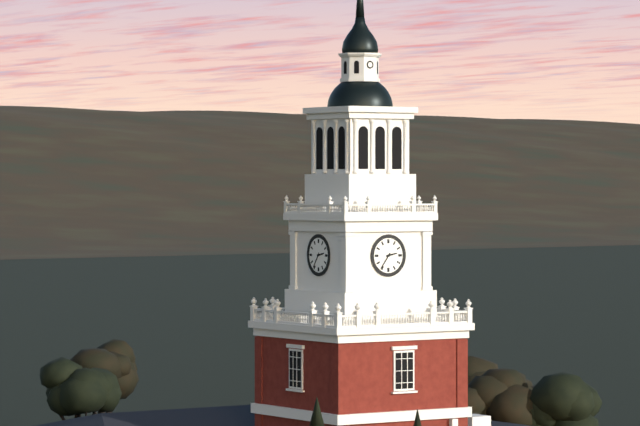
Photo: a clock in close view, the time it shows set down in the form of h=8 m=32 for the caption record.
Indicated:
h=2 m=36
